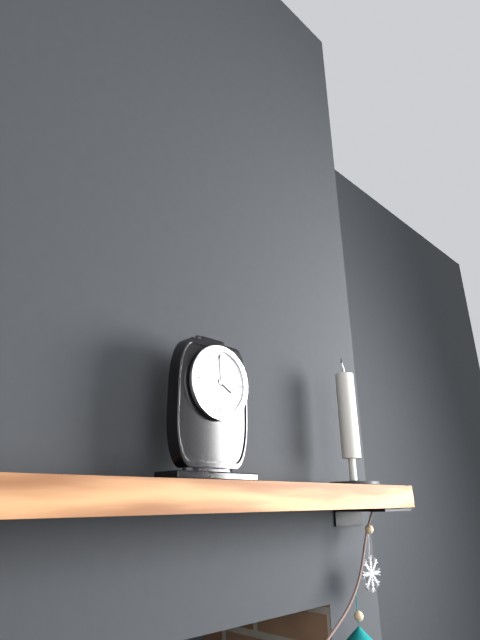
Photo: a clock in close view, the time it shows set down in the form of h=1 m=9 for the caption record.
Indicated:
h=3 m=59
